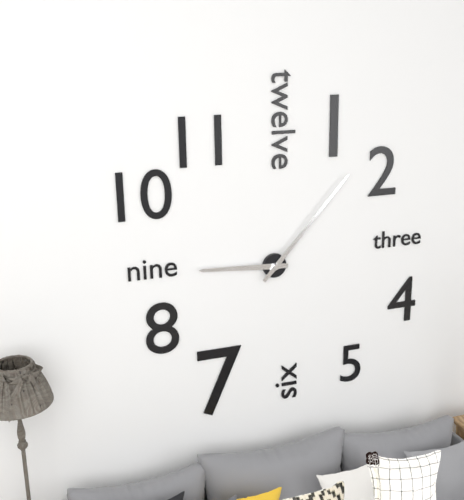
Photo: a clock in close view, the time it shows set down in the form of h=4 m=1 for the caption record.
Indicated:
h=9 m=7
